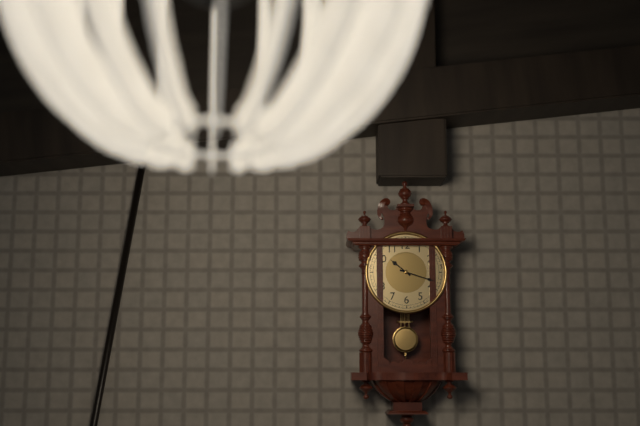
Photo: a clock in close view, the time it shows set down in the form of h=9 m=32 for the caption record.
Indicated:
h=10 m=18
